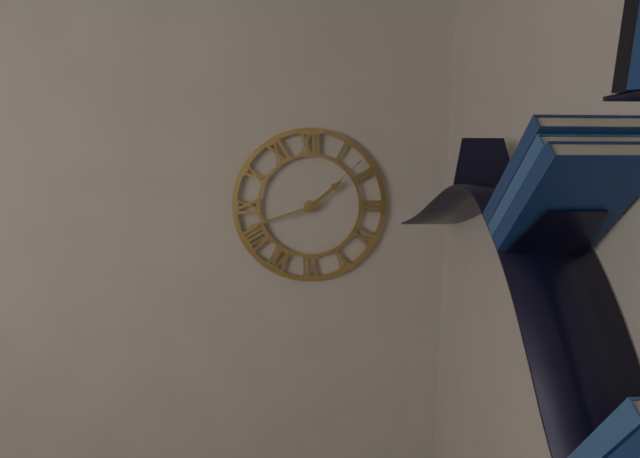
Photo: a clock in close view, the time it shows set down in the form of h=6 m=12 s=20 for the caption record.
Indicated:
h=1 m=42 s=8
